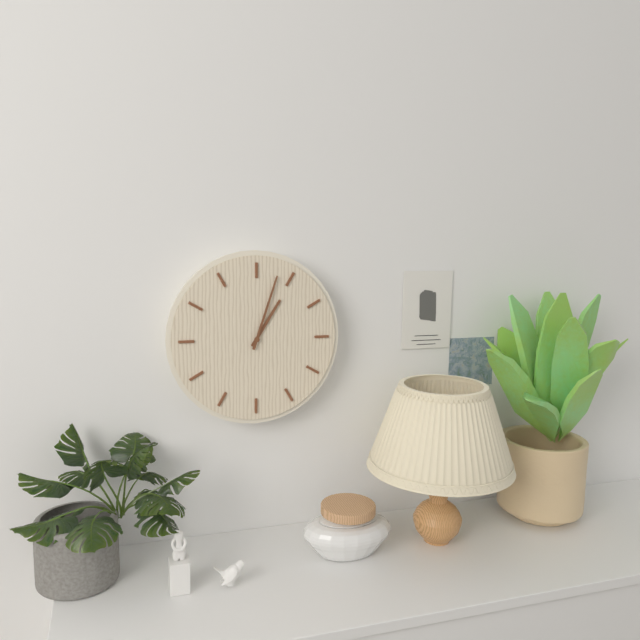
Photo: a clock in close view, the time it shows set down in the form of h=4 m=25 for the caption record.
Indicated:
h=1 m=3
